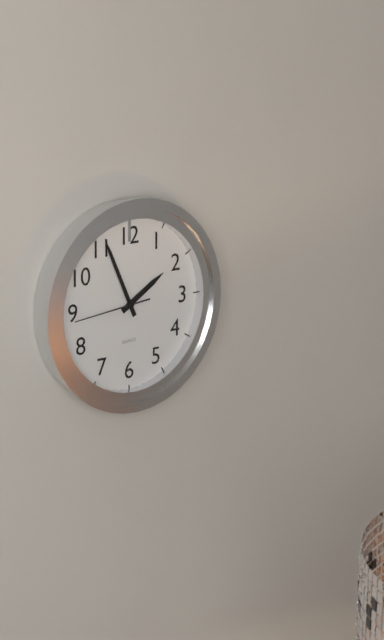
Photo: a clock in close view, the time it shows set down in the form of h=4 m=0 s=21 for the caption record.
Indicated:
h=1 m=56 s=44
